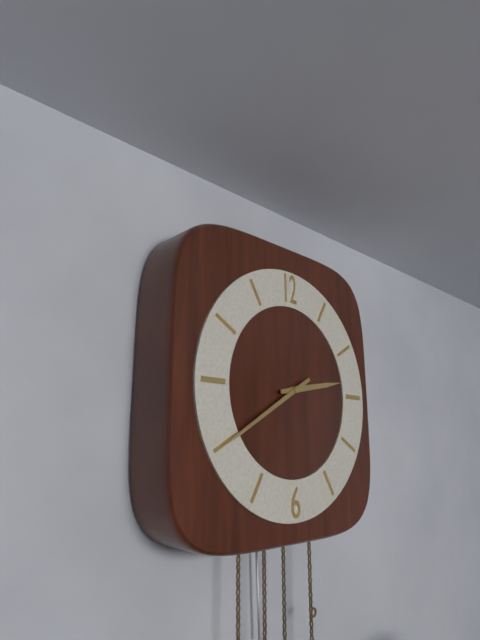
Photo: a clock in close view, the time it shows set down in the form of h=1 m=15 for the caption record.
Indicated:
h=2 m=40
